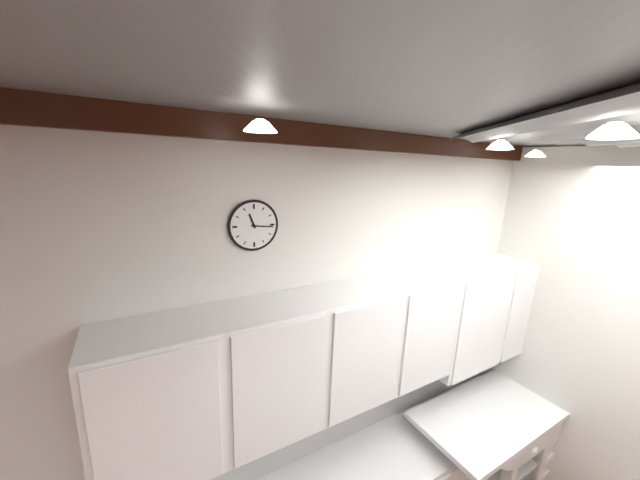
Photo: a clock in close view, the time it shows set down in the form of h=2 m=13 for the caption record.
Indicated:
h=11 m=16
